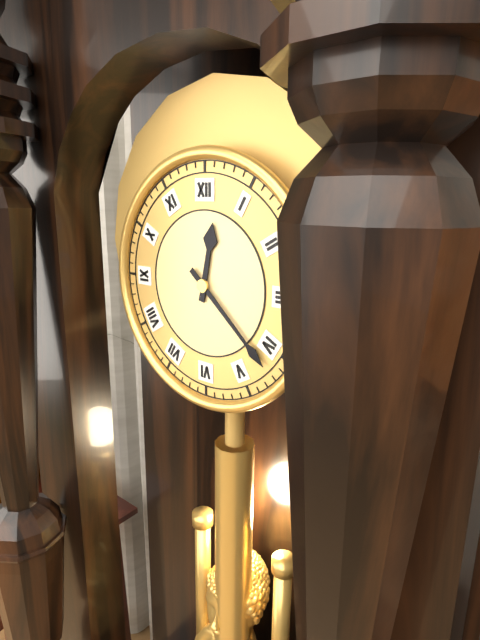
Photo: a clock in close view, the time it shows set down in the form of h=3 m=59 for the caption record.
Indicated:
h=12 m=22
